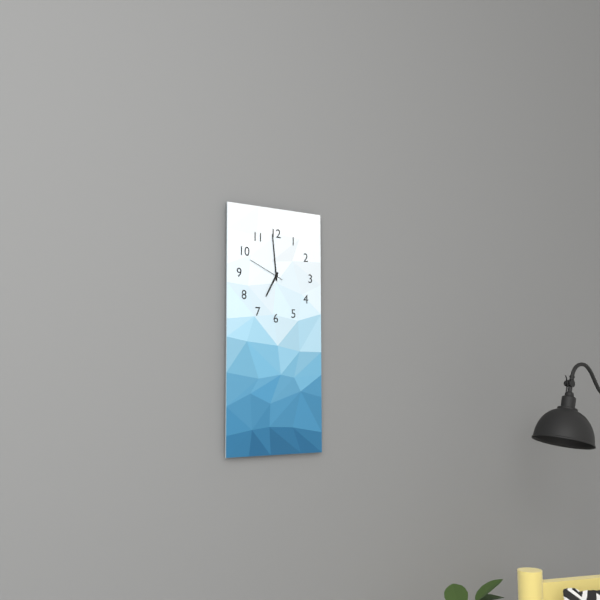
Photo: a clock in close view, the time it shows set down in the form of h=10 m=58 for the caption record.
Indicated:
h=6 m=59
